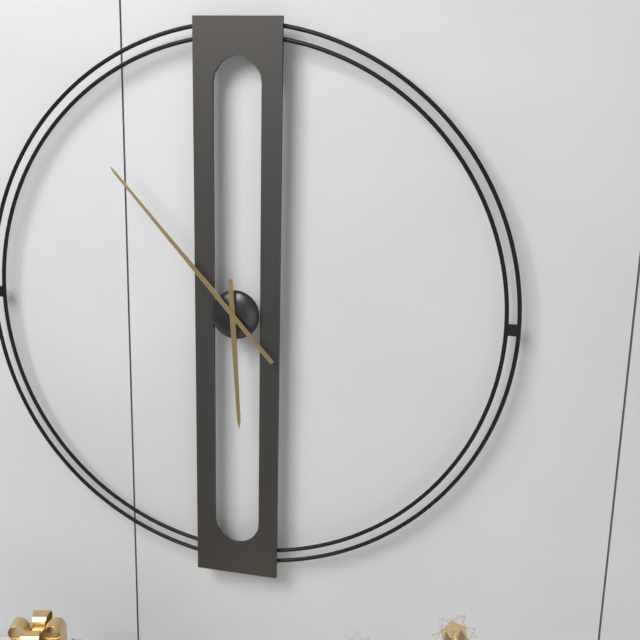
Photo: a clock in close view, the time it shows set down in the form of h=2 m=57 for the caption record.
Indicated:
h=5 m=53
